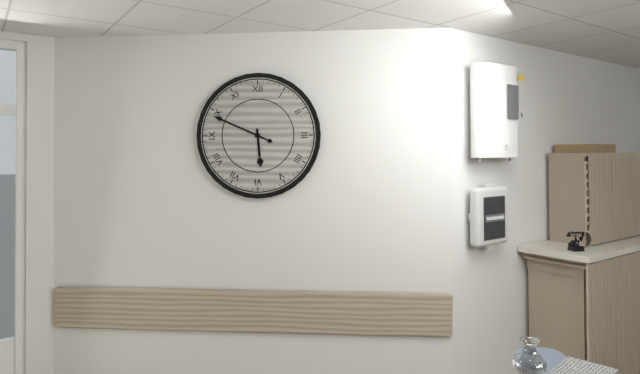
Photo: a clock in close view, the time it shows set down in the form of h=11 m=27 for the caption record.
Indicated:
h=5 m=49
